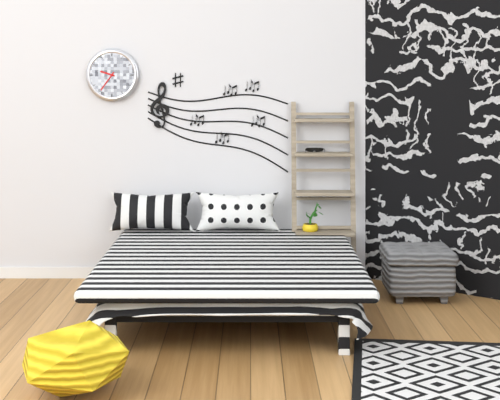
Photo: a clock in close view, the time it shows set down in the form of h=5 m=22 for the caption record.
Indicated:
h=9 m=36
